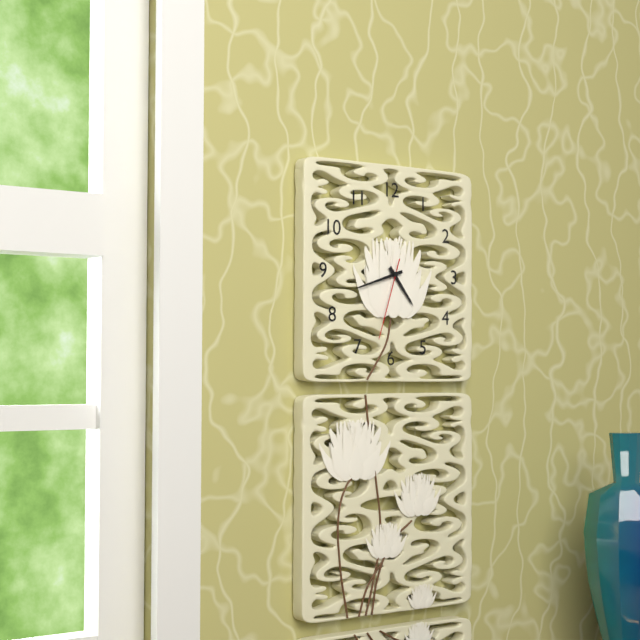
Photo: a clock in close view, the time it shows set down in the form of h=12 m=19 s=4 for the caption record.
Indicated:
h=4 m=42 s=33
